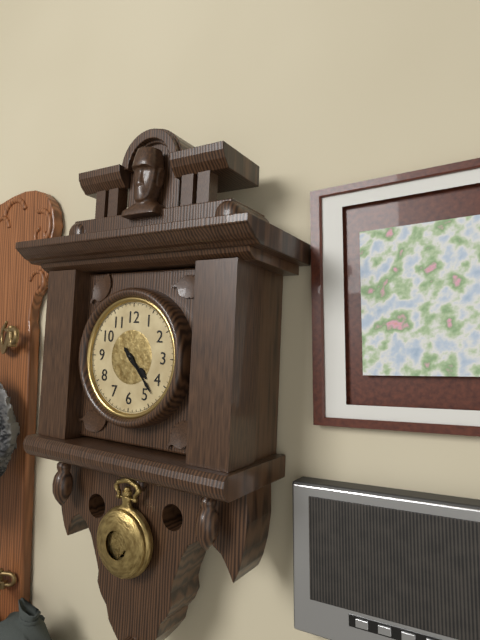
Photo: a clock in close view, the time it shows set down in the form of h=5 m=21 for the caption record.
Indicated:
h=4 m=23
